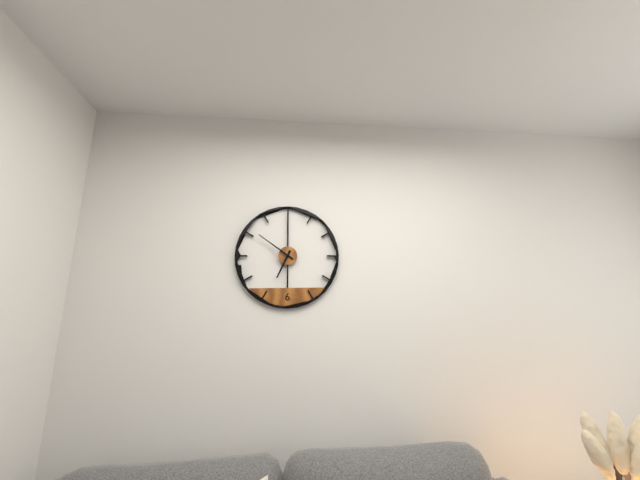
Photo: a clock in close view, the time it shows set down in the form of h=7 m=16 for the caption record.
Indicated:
h=6 m=51
